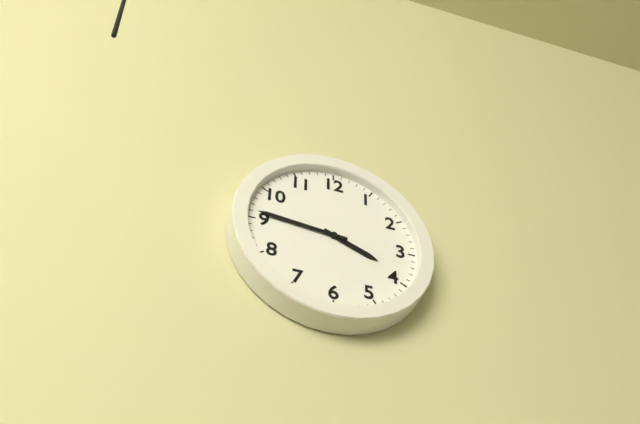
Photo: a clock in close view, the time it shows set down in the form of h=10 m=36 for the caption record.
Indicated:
h=3 m=46
